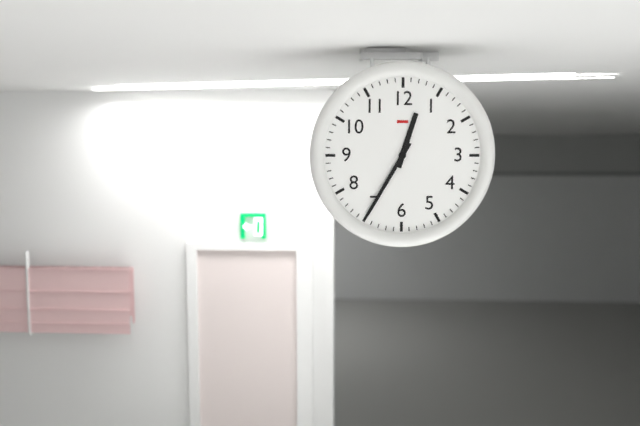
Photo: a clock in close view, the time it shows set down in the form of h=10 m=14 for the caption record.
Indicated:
h=12 m=35
